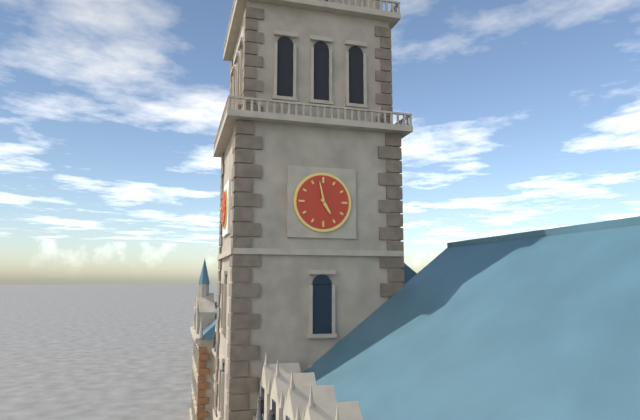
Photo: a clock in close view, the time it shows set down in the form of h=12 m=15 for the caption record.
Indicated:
h=4 m=58
